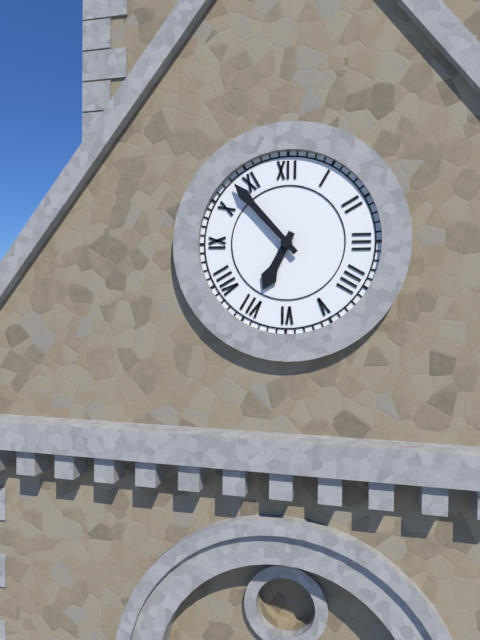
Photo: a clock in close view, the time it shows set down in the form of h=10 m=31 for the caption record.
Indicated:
h=6 m=53
